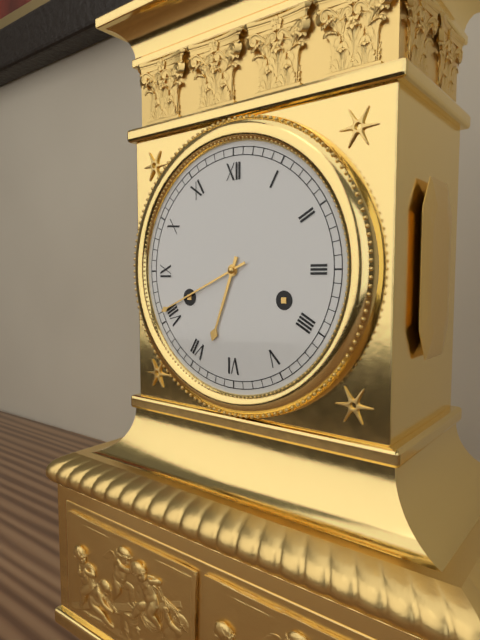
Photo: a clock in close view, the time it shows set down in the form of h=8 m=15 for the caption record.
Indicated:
h=6 m=41
